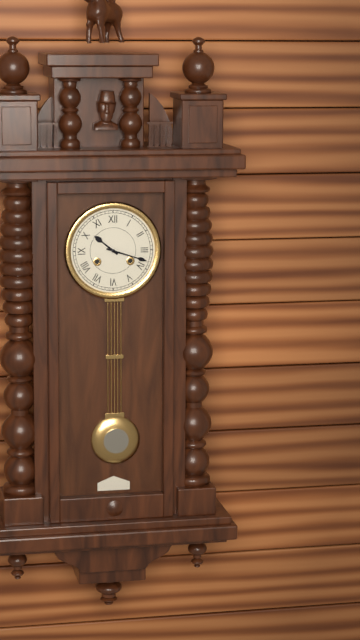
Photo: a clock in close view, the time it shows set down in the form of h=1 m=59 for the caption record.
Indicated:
h=10 m=18
